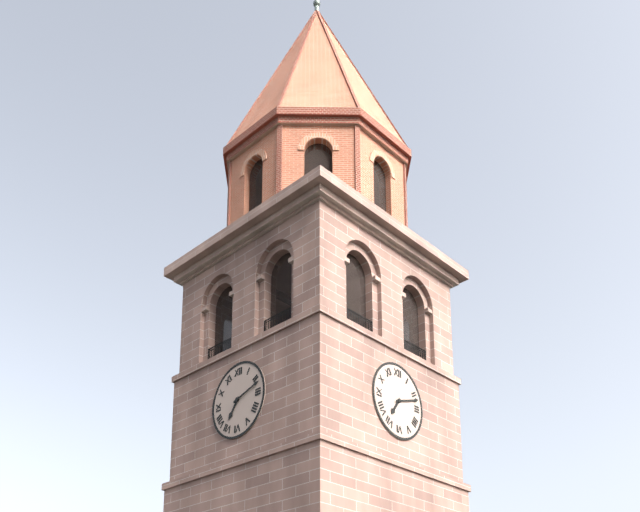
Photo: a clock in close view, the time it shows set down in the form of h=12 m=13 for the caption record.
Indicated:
h=7 m=12
